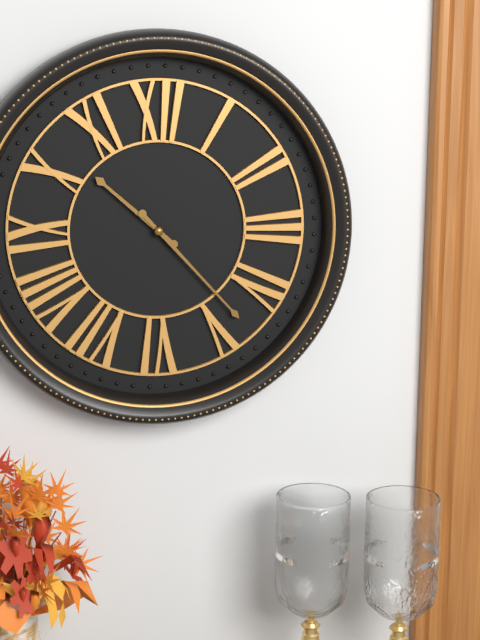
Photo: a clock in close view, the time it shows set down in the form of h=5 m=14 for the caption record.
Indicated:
h=10 m=23
